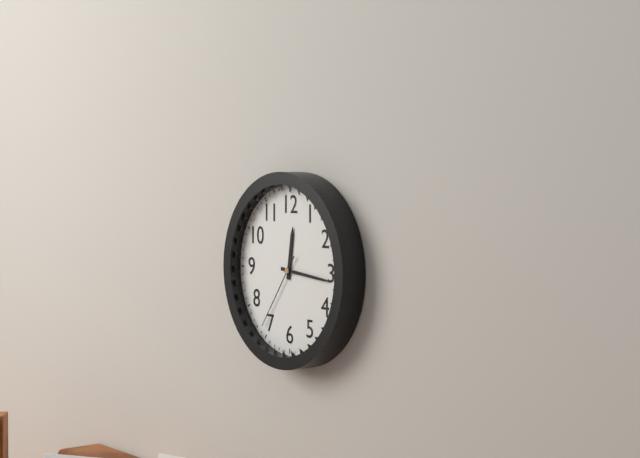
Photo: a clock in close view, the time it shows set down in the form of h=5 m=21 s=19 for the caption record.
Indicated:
h=12 m=16 s=36
